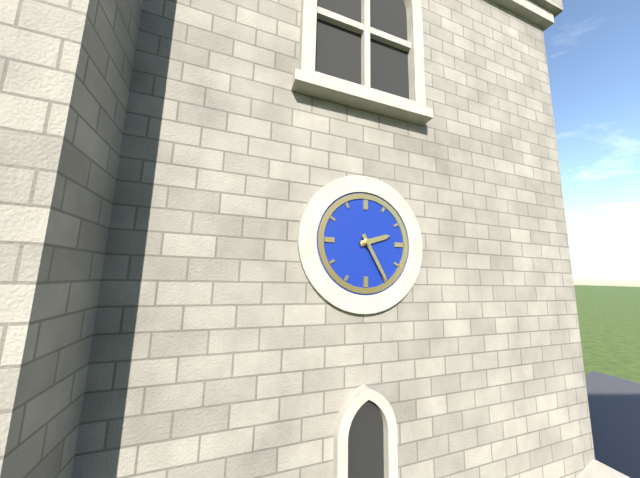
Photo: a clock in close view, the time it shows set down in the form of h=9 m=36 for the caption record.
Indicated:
h=2 m=25
